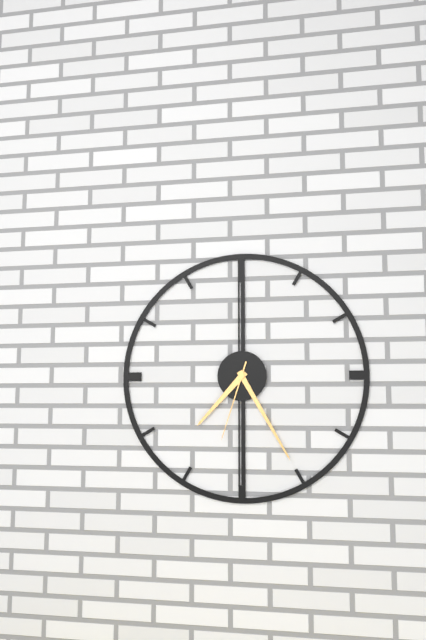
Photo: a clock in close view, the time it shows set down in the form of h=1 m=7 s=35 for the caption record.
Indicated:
h=7 m=25 s=33
